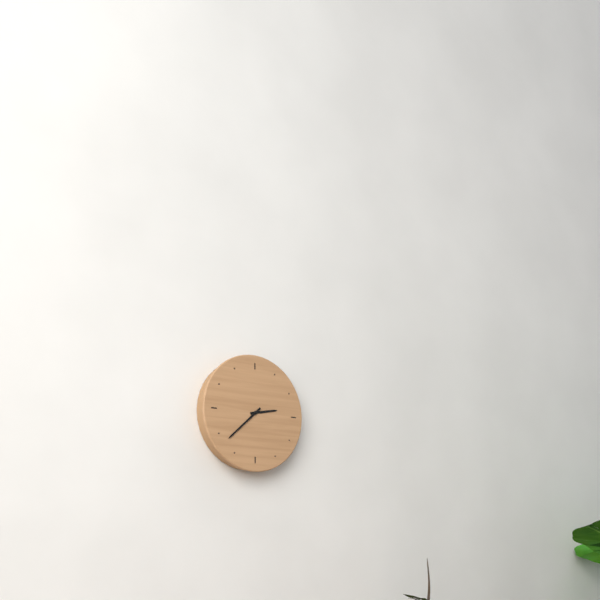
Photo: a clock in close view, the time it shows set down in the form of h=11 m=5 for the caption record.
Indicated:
h=2 m=38
